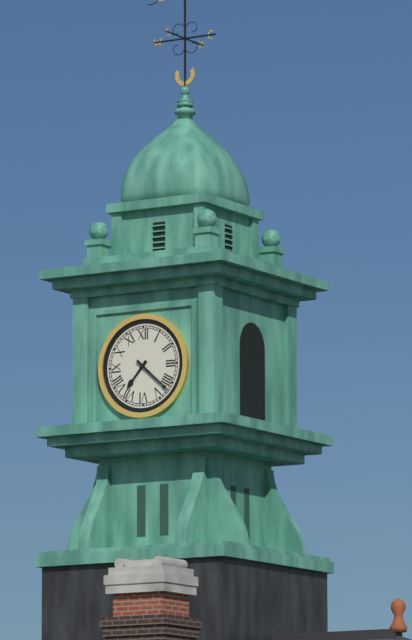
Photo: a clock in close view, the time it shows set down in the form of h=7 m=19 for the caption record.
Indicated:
h=7 m=22
